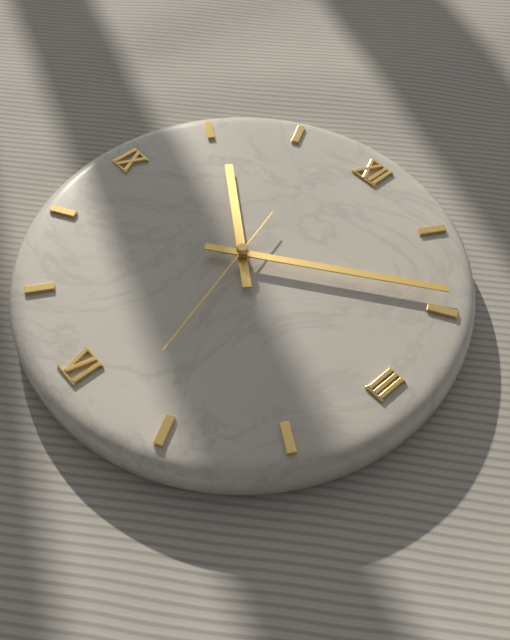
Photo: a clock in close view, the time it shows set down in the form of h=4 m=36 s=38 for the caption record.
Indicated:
h=10 m=9 s=27
